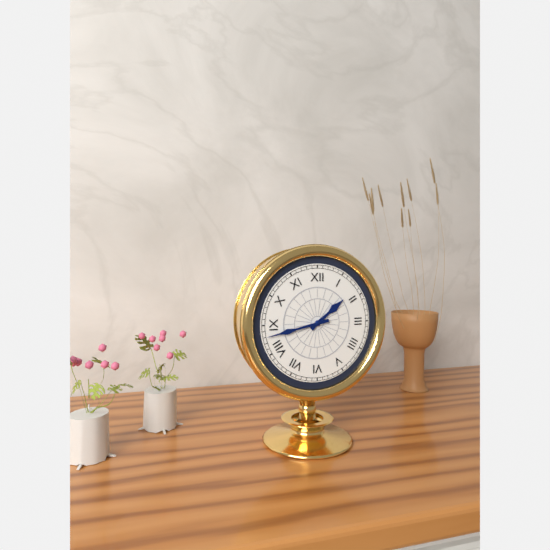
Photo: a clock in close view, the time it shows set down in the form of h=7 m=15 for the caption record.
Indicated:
h=1 m=43
